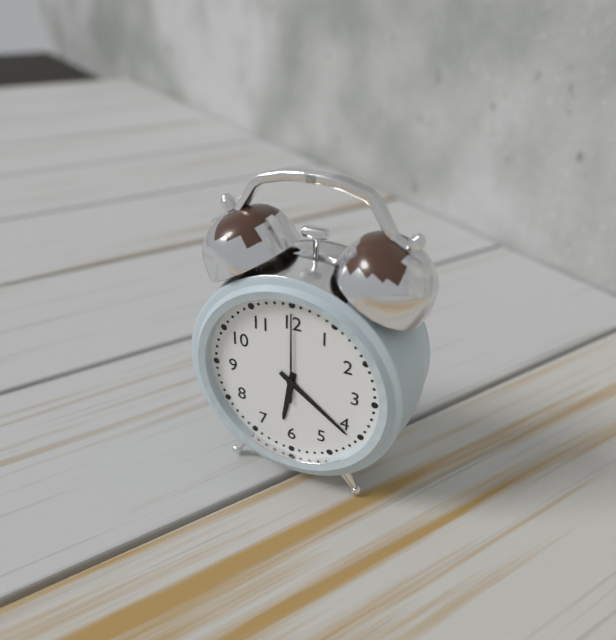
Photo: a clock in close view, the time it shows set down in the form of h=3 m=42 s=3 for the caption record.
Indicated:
h=6 m=21 s=0
